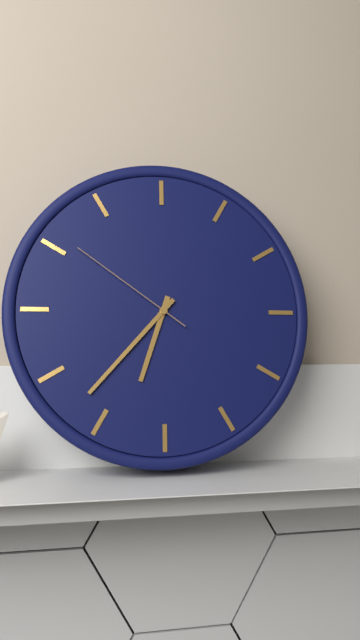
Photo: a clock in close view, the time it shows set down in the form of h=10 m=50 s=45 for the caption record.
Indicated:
h=6 m=37 s=51
